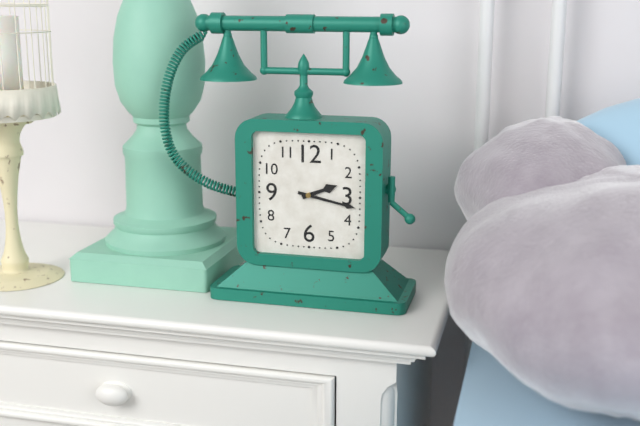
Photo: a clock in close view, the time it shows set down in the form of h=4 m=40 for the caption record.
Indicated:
h=2 m=17
